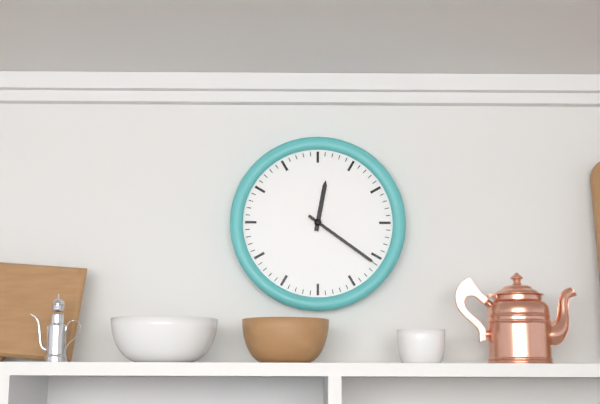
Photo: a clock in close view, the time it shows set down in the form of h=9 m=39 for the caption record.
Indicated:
h=12 m=21
